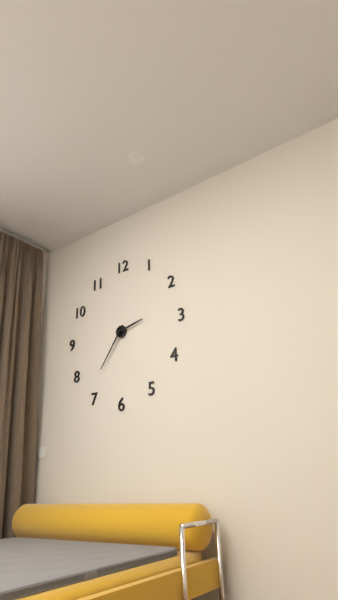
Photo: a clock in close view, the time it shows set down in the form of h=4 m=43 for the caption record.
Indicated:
h=2 m=36
